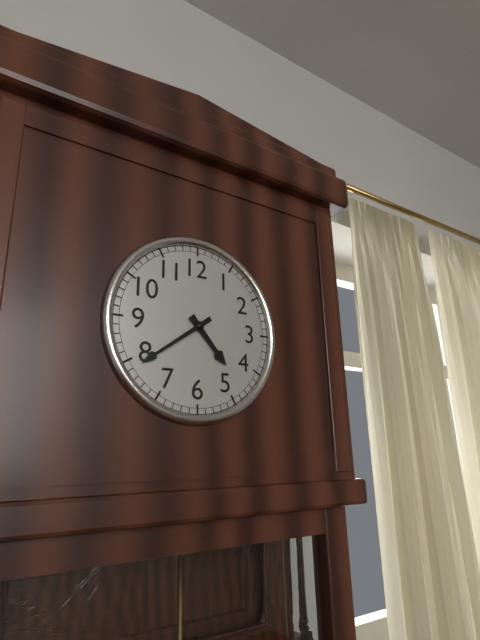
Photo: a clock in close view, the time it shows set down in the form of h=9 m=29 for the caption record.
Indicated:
h=4 m=39
